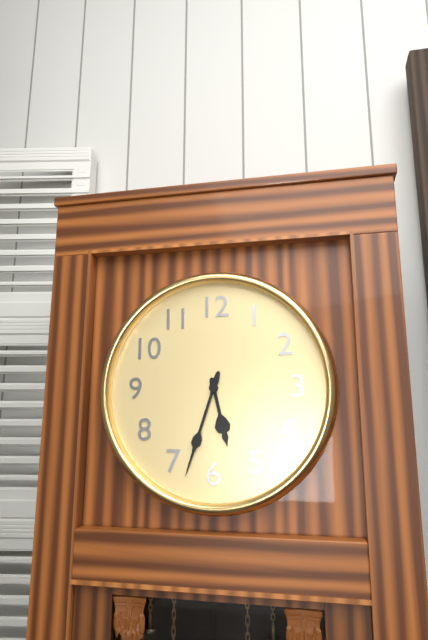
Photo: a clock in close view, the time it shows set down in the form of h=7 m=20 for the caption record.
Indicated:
h=5 m=33
